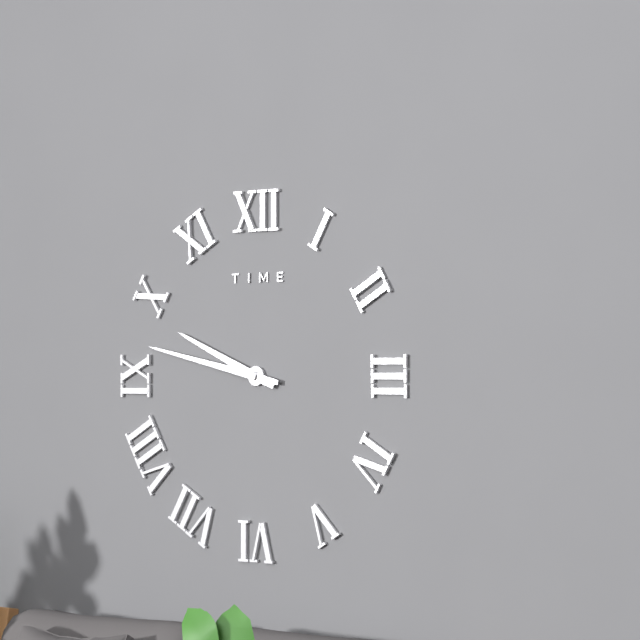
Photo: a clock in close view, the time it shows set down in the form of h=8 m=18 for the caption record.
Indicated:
h=9 m=47
